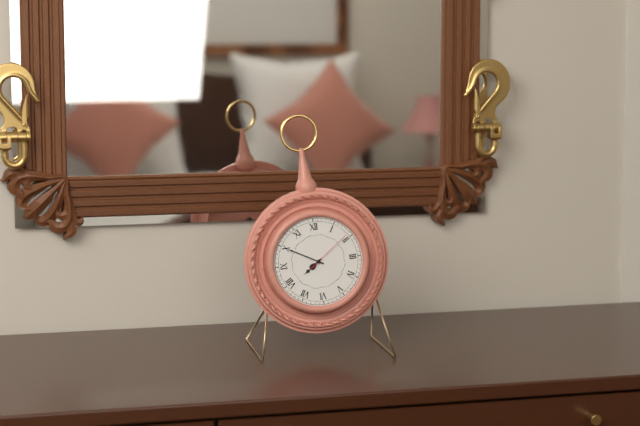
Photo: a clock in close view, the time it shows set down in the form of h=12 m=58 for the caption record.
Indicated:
h=7 m=50
